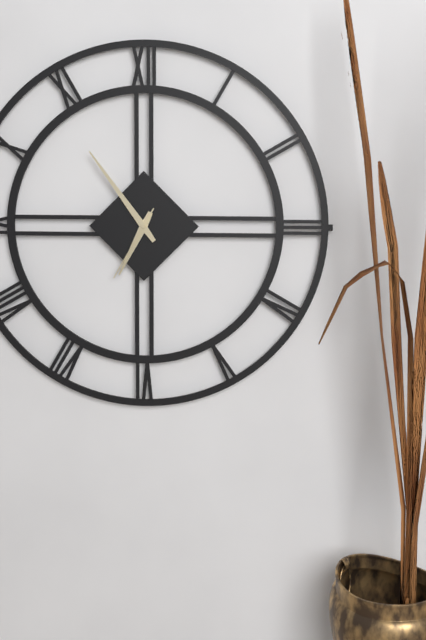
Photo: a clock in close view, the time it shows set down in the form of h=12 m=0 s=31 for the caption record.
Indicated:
h=6 m=54 s=35
